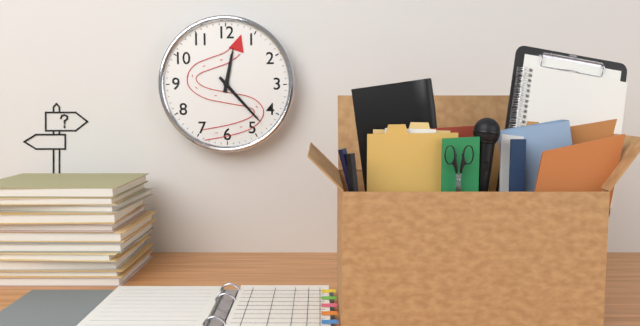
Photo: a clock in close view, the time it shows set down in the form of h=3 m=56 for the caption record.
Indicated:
h=12 m=23
